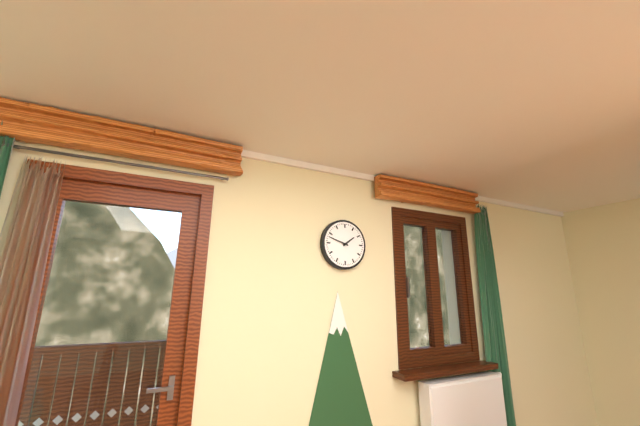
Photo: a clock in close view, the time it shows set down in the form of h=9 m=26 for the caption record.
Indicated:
h=1 m=48
